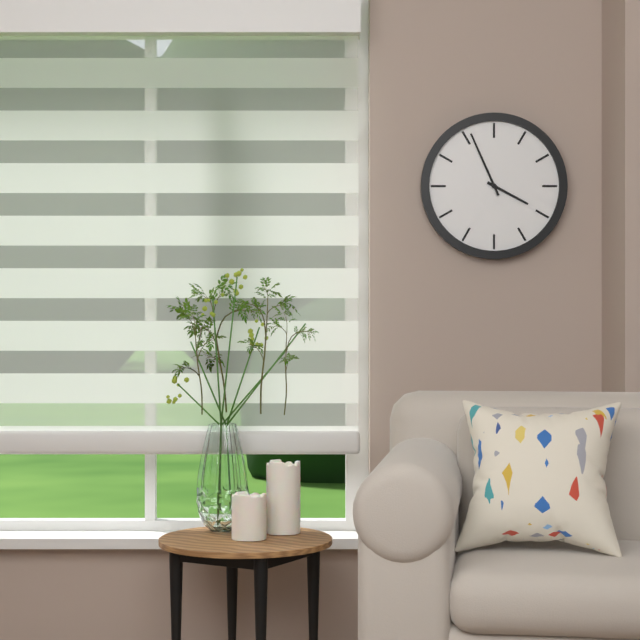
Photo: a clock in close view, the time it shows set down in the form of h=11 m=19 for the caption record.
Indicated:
h=3 m=56
